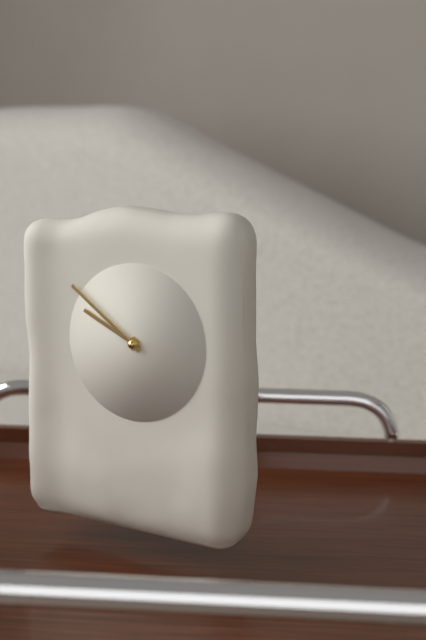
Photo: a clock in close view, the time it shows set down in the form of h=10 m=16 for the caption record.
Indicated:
h=9 m=51
